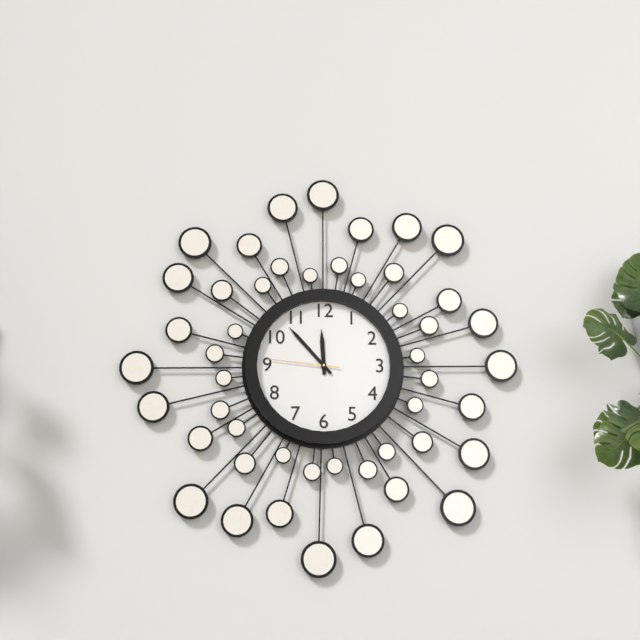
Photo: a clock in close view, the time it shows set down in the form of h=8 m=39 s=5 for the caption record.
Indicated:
h=11 m=53 s=46
